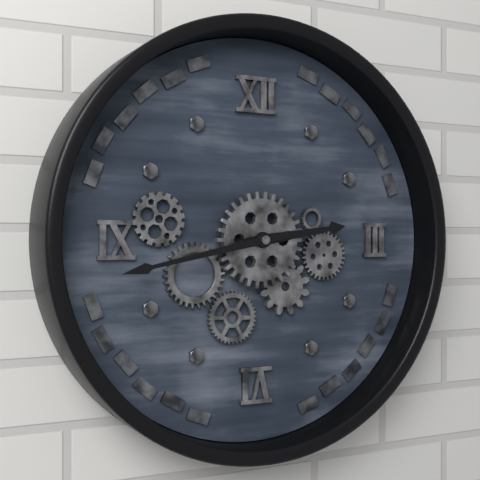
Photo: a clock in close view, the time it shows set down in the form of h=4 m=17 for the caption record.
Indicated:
h=2 m=43
